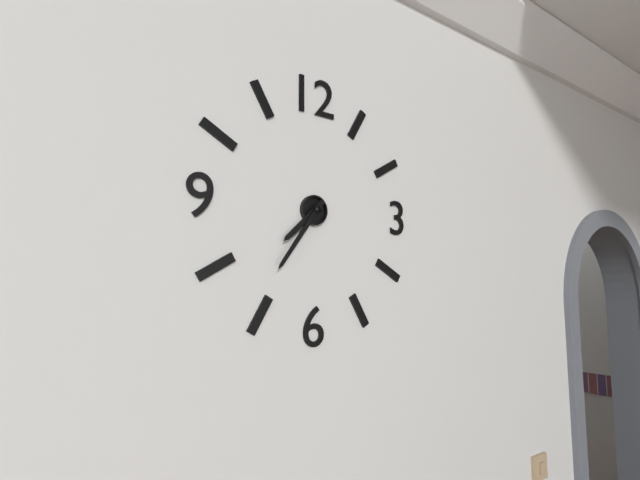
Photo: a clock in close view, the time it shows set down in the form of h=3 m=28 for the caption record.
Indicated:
h=7 m=36
